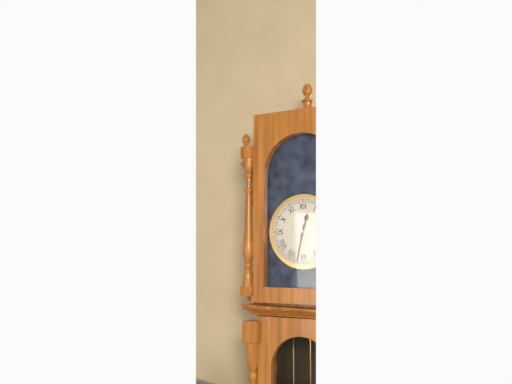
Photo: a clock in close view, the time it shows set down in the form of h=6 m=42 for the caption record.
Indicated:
h=12 m=32
